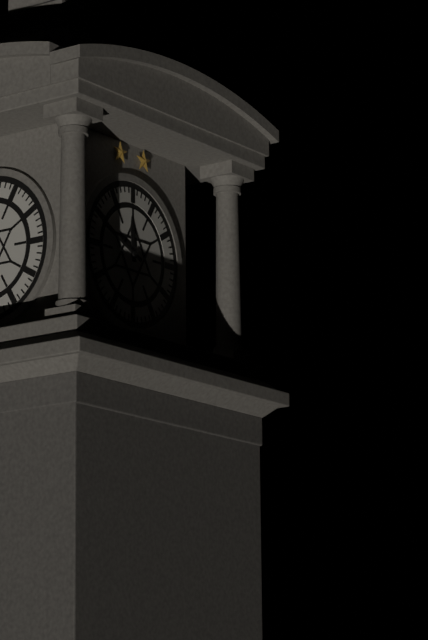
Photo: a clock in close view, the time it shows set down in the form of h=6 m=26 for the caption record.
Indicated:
h=11 m=49
